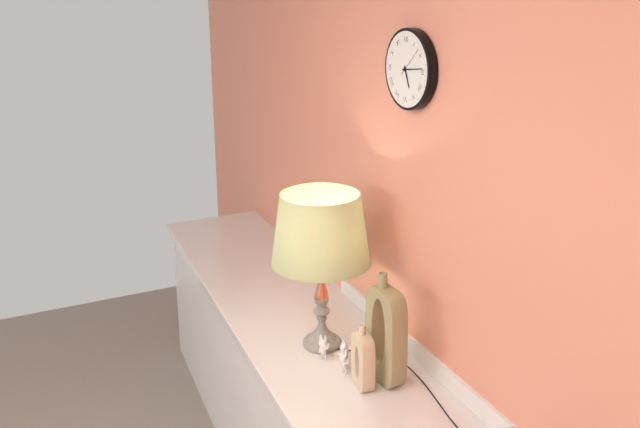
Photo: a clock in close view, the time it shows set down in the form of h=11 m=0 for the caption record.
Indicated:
h=5 m=14
